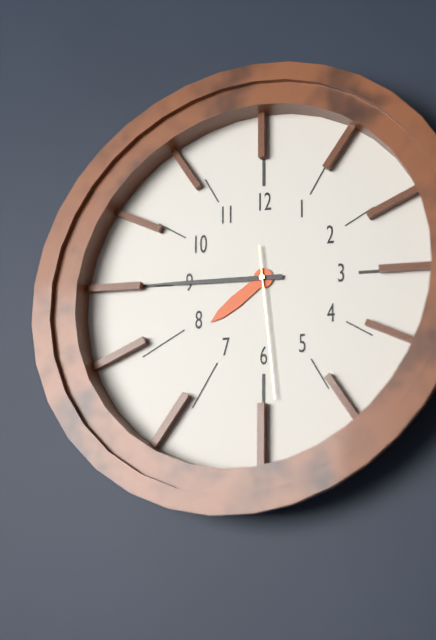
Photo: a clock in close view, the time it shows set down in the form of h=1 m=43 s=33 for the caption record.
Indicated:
h=7 m=45 s=29
